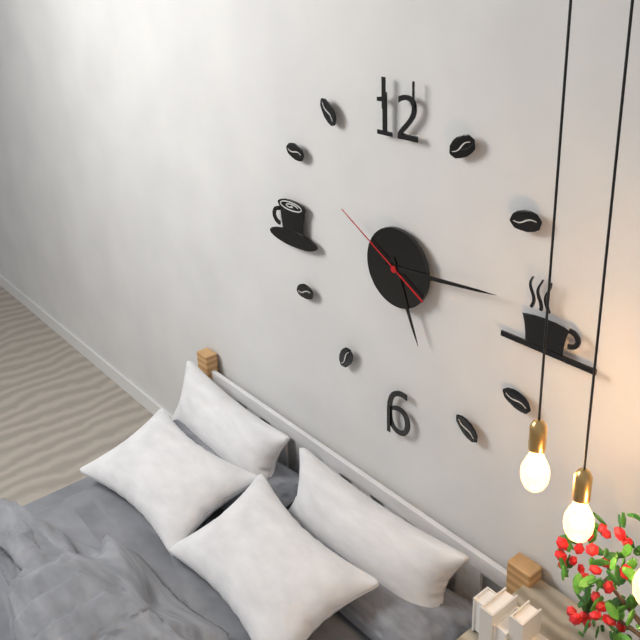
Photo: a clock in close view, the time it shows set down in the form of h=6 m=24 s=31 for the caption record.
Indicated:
h=5 m=14 s=50
